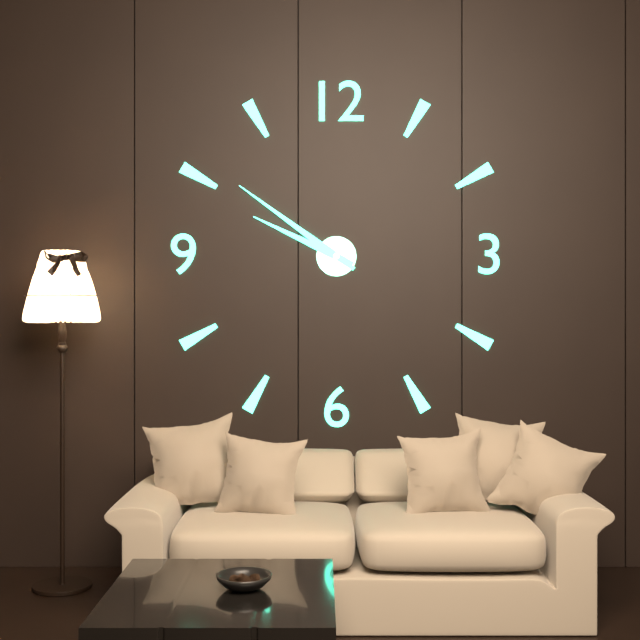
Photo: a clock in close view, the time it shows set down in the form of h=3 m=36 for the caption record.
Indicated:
h=9 m=51
